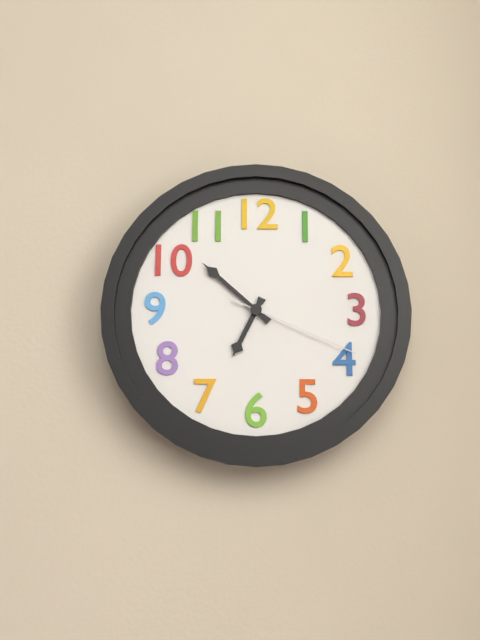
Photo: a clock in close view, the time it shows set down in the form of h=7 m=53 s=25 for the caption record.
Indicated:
h=6 m=52 s=19
